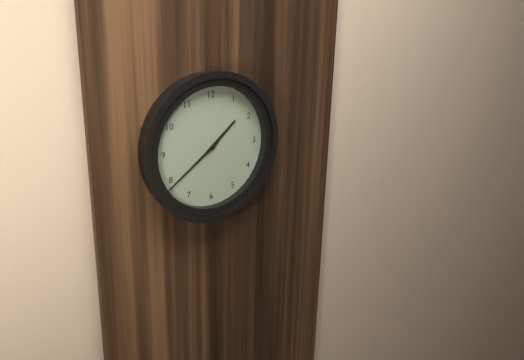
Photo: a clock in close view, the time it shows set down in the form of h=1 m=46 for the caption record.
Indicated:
h=1 m=39
